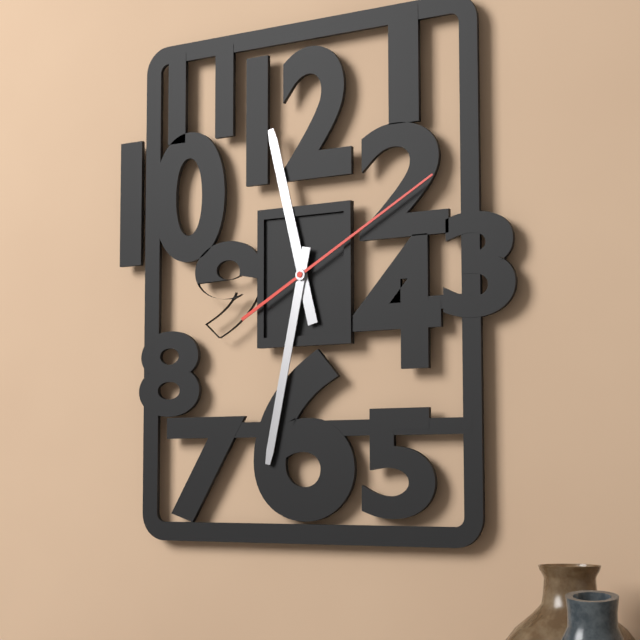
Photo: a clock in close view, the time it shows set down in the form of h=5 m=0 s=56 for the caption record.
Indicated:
h=11 m=32 s=10
